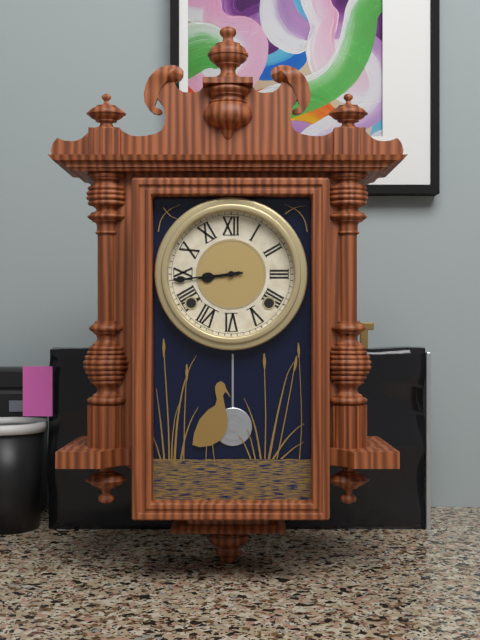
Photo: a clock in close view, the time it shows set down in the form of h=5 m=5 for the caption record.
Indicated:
h=8 m=44
